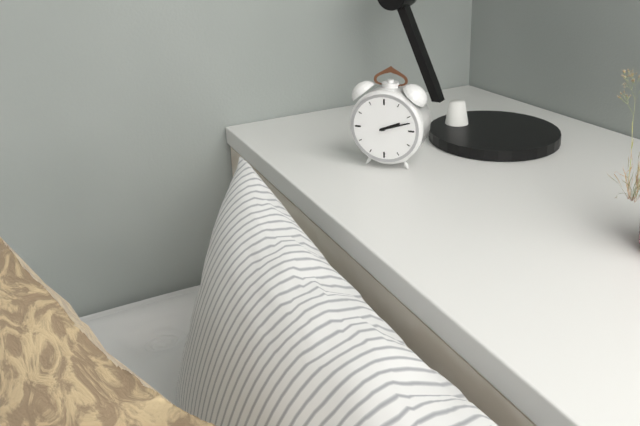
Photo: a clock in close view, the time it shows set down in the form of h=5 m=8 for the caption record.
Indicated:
h=2 m=12
